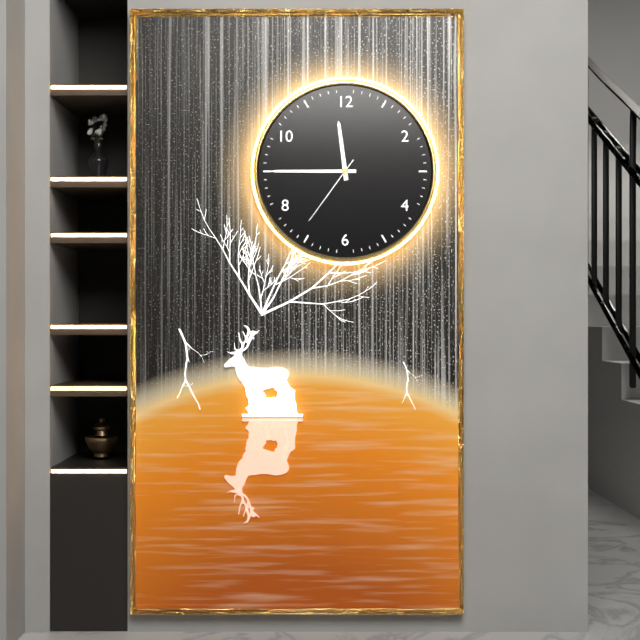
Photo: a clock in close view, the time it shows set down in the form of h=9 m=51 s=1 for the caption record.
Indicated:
h=11 m=45 s=36
